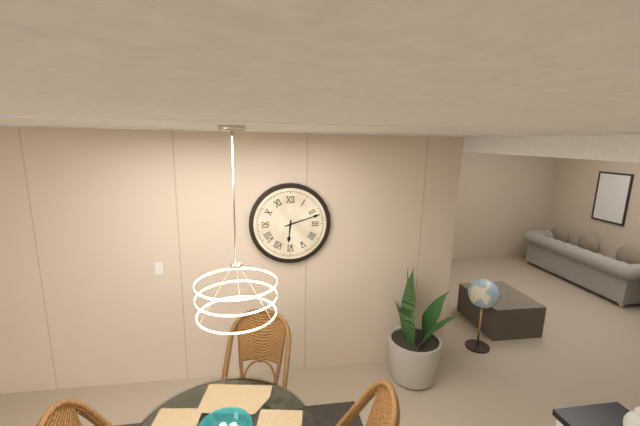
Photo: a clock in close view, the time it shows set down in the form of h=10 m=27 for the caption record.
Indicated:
h=6 m=12
